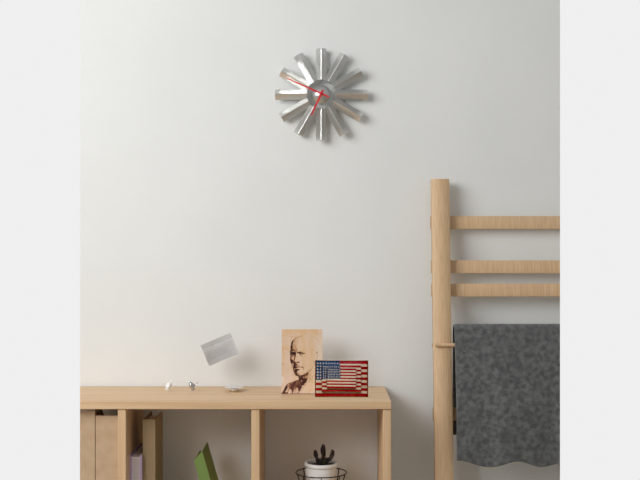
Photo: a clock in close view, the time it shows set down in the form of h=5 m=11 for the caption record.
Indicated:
h=6 m=49
